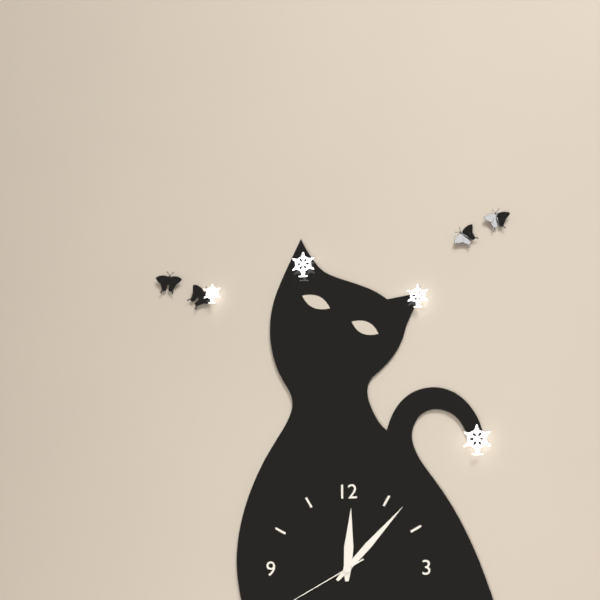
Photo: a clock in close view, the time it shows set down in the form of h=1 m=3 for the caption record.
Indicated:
h=12 m=7
